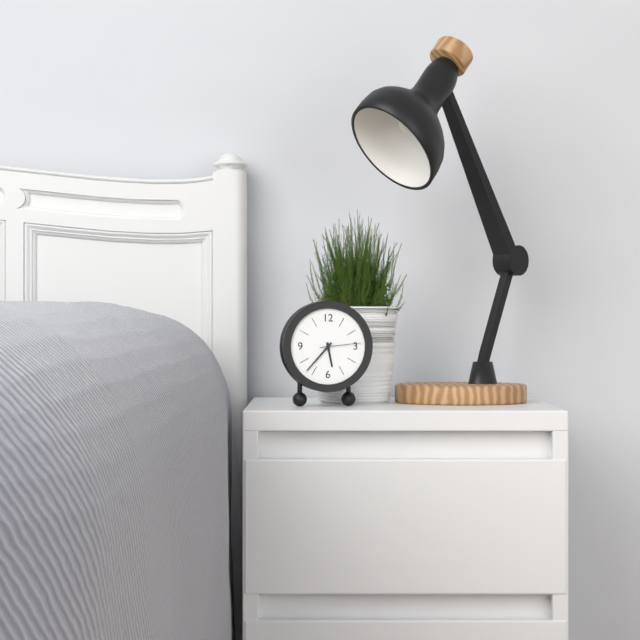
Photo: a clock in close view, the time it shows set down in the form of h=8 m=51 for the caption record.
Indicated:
h=5 m=37
